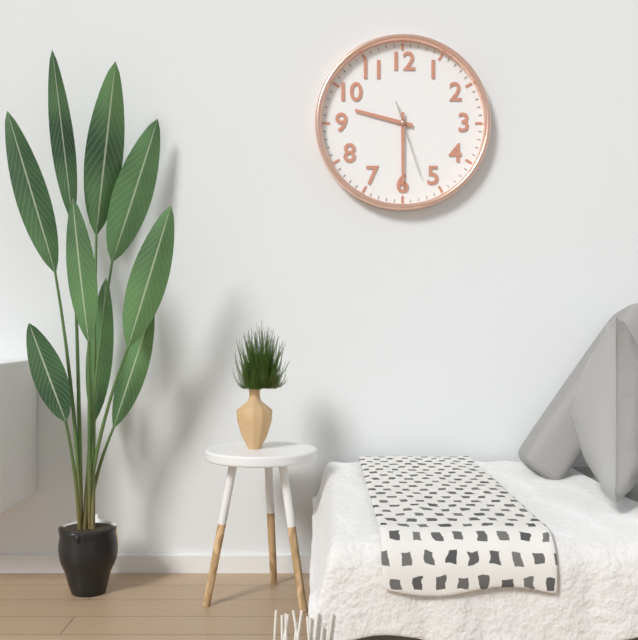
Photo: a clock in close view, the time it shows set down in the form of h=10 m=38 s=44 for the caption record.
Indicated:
h=9 m=30 s=27
